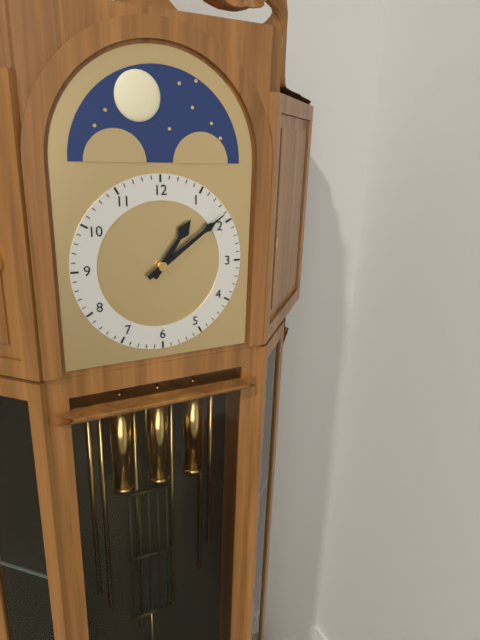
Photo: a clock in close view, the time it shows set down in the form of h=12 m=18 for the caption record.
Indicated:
h=1 m=9
